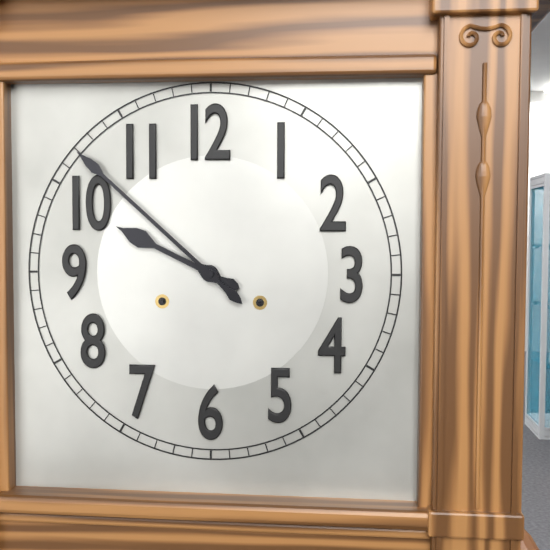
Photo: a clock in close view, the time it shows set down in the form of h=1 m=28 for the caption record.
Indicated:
h=9 m=52
